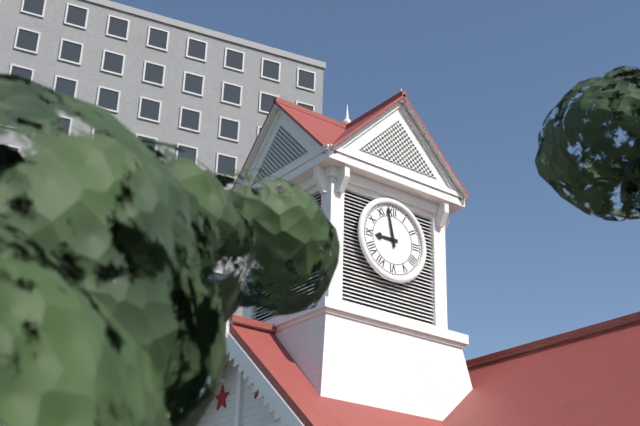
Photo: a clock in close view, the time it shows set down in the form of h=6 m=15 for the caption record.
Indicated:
h=8 m=58
